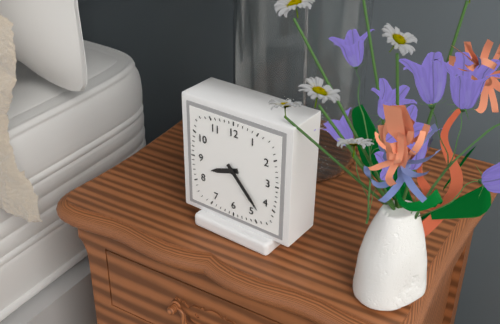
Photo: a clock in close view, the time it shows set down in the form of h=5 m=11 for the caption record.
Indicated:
h=8 m=23
